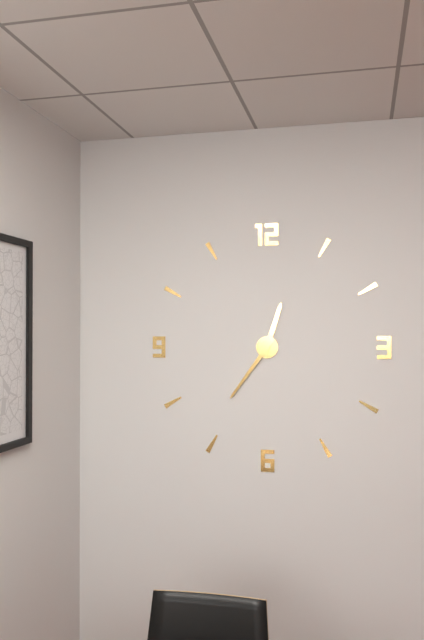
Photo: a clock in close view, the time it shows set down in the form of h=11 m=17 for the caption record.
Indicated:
h=12 m=36
